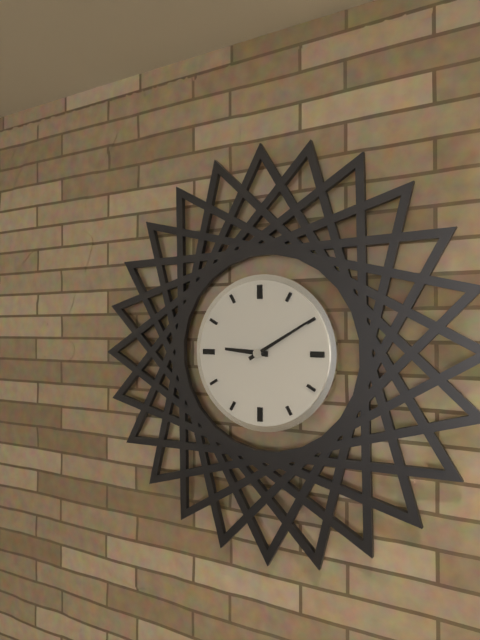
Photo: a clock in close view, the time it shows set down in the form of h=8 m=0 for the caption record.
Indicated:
h=9 m=10
